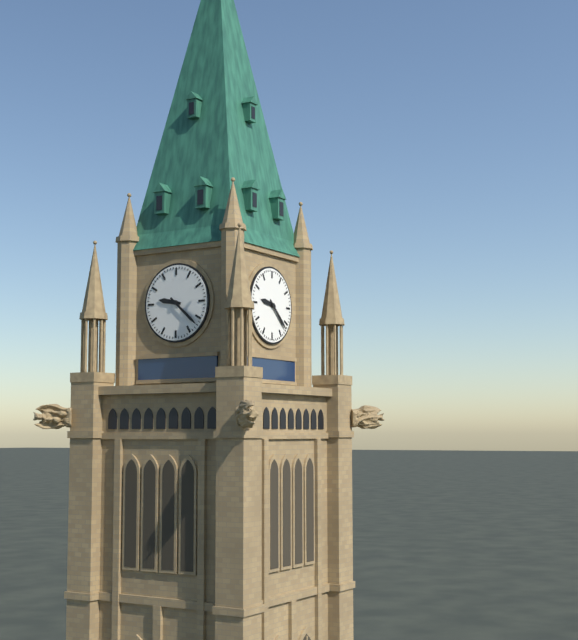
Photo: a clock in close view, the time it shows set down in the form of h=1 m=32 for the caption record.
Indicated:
h=9 m=22
